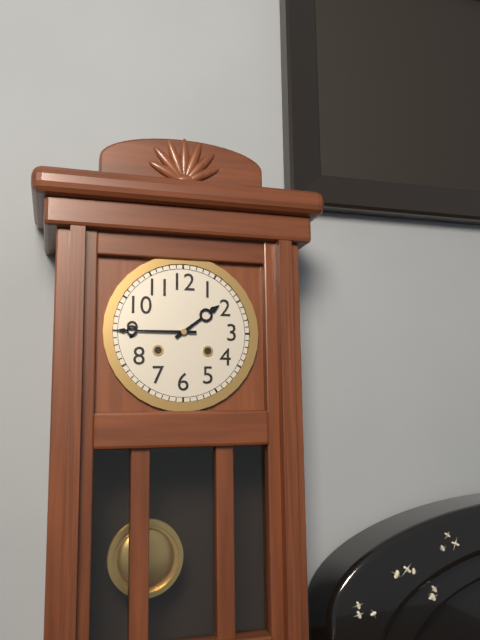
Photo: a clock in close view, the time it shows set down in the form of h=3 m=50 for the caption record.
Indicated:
h=1 m=45
